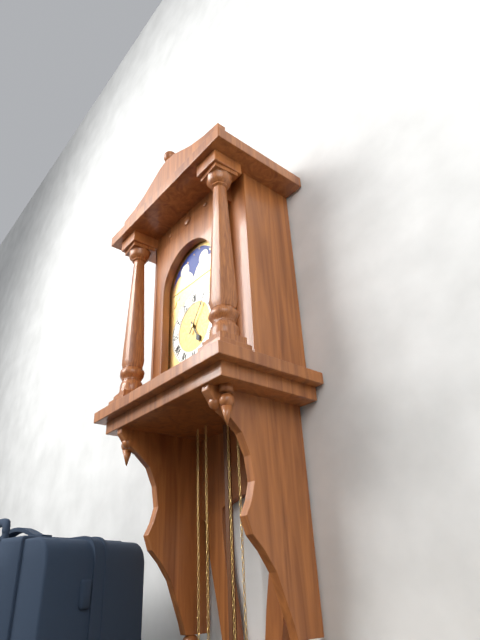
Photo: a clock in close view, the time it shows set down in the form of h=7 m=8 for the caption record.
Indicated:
h=5 m=6
